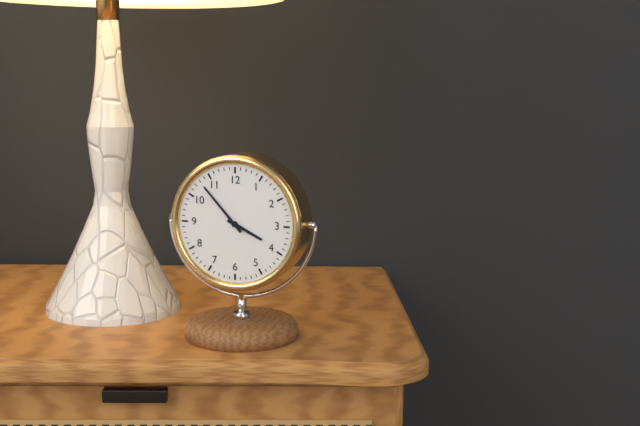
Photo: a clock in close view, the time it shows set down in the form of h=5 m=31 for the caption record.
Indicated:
h=3 m=53
